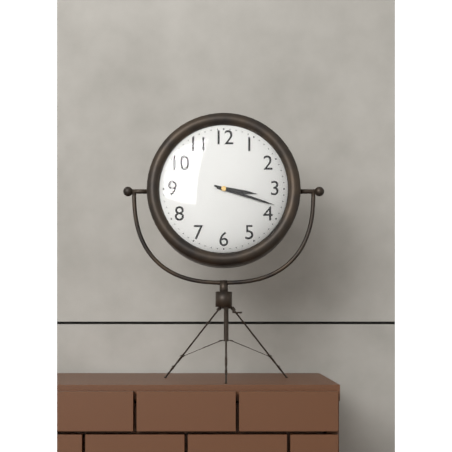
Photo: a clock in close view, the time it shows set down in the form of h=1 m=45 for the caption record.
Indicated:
h=3 m=18
